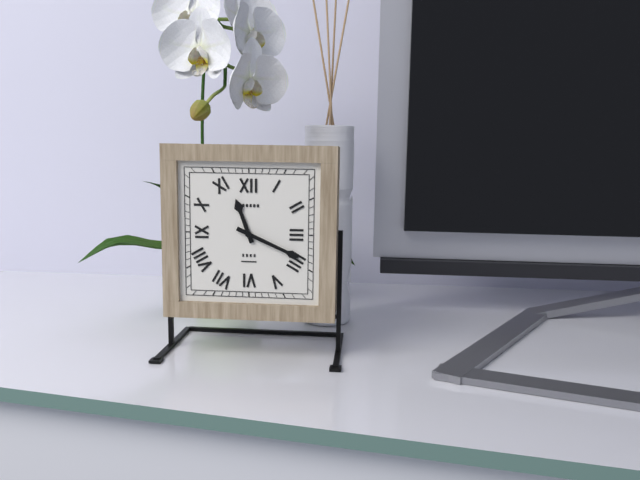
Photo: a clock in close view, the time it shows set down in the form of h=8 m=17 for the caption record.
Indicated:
h=11 m=19
